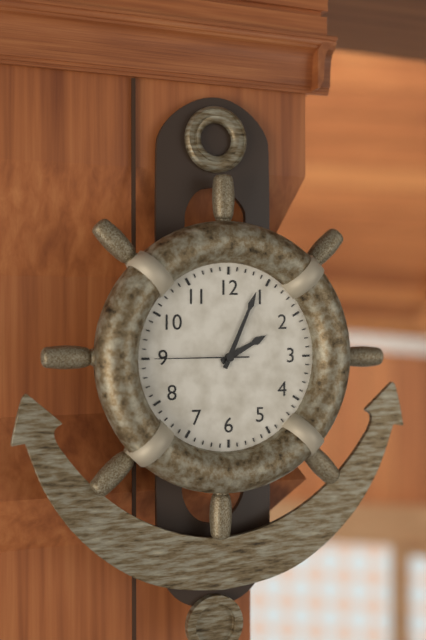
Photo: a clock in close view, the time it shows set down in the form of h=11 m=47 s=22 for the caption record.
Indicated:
h=2 m=4 s=45
